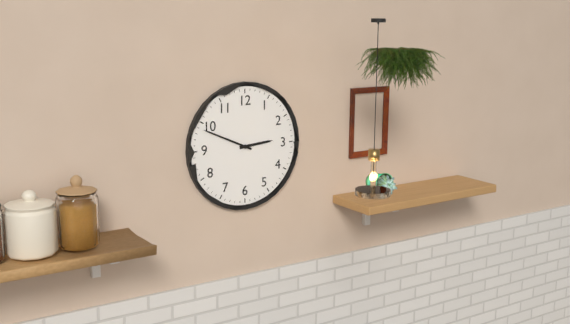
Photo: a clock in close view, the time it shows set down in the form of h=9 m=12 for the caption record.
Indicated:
h=2 m=49
